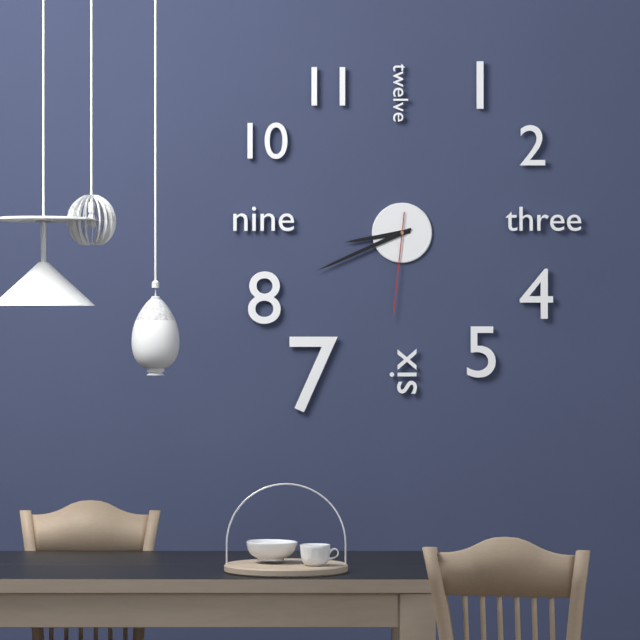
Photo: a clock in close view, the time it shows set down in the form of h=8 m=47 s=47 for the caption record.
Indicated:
h=8 m=41 s=31
